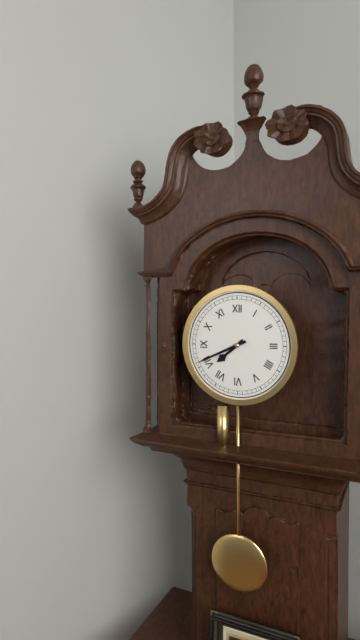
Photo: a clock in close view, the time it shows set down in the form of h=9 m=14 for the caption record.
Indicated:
h=7 m=41
